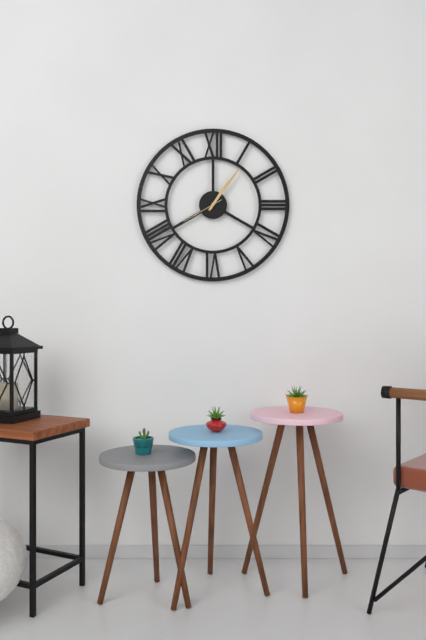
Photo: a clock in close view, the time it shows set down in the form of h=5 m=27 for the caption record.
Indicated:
h=1 m=6
